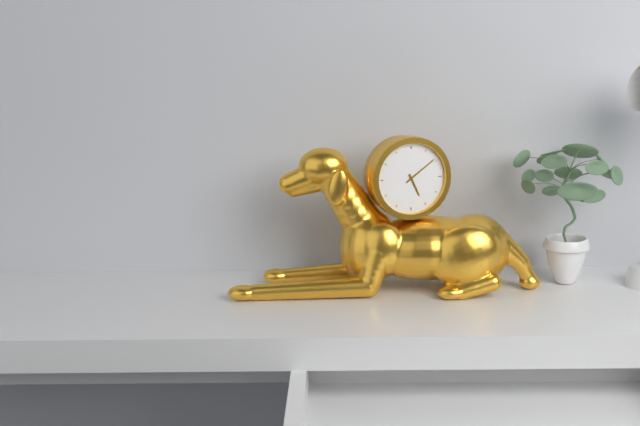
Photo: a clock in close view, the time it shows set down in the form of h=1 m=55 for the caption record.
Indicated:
h=5 m=9
